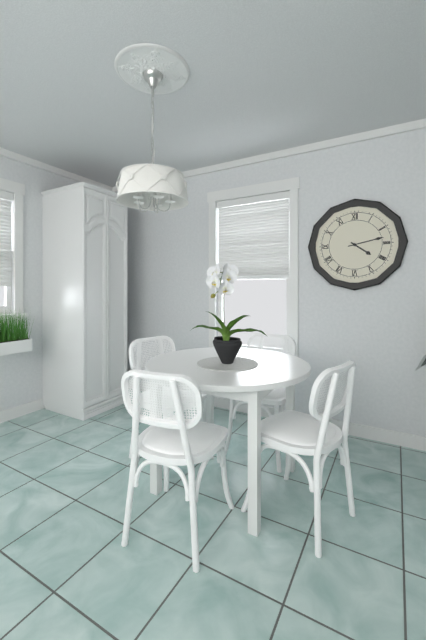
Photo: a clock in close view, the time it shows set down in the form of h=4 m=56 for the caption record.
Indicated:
h=4 m=13
